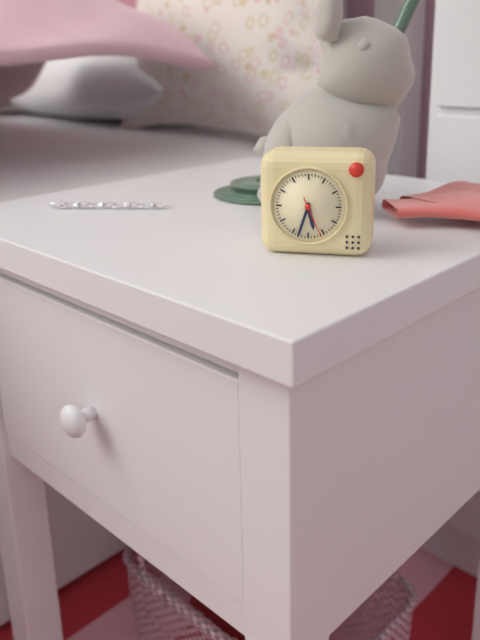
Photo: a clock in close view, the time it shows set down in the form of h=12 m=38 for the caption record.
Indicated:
h=5 m=33
